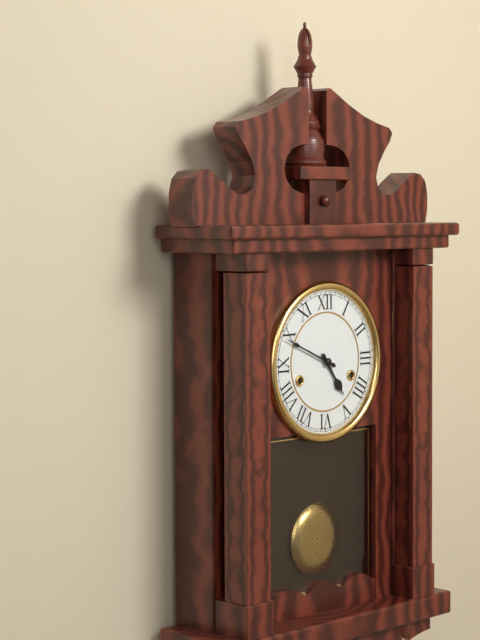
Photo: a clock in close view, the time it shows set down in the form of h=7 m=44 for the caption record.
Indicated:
h=4 m=49
